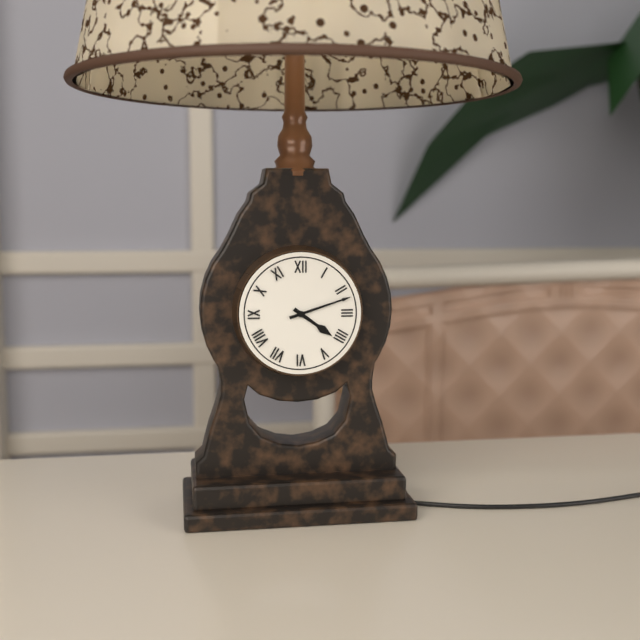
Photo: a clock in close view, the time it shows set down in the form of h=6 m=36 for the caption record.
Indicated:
h=4 m=12
